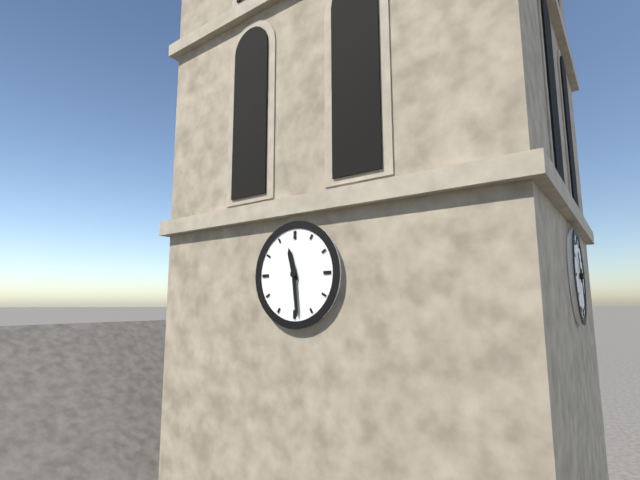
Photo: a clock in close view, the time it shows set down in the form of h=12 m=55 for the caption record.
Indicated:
h=11 m=29
